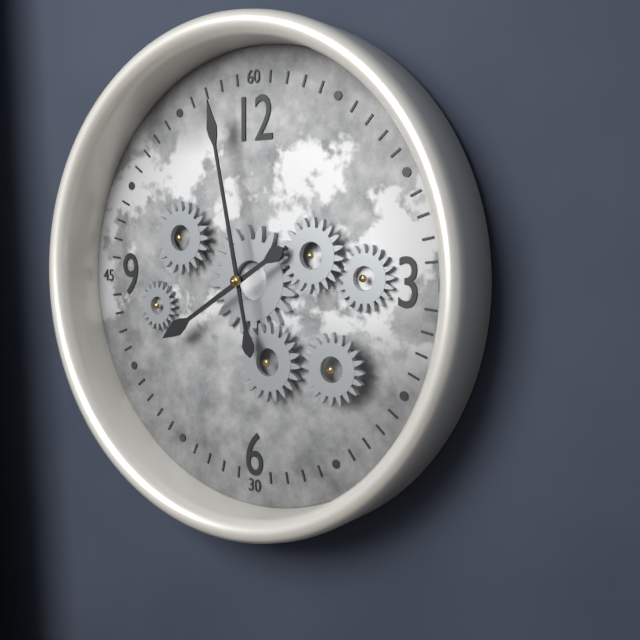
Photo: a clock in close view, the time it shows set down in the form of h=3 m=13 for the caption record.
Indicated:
h=7 m=58
